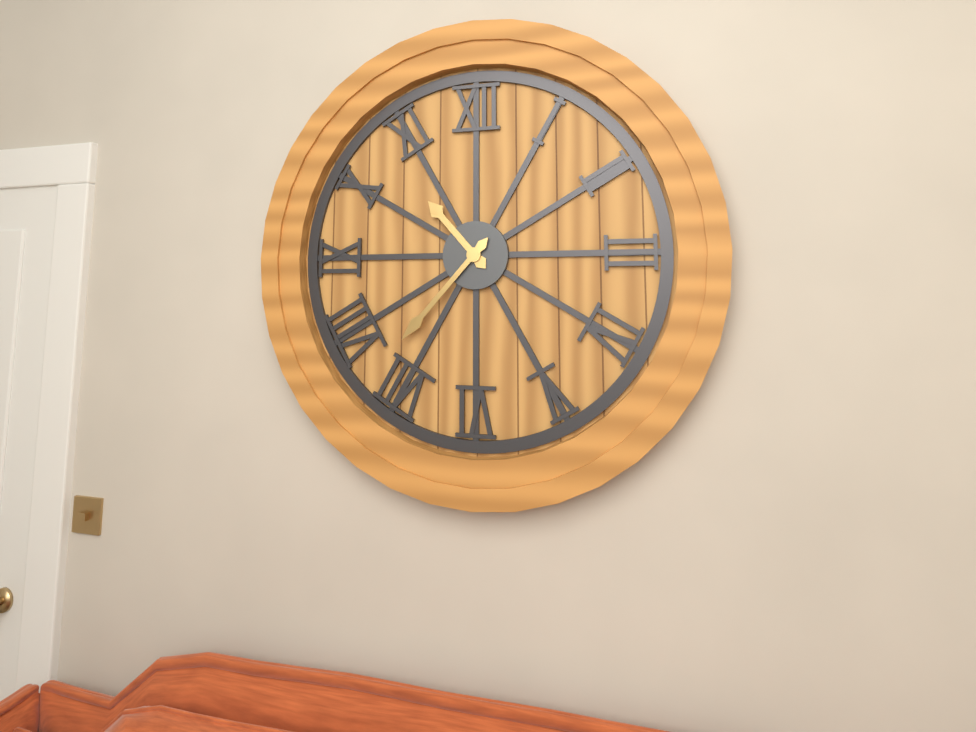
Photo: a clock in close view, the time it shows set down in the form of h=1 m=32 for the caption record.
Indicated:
h=10 m=37
